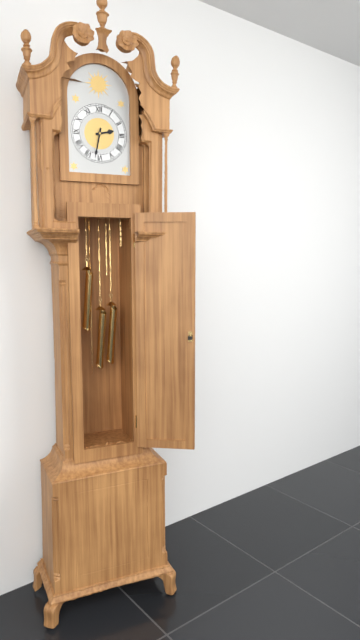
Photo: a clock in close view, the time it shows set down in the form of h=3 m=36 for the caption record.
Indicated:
h=2 m=32
